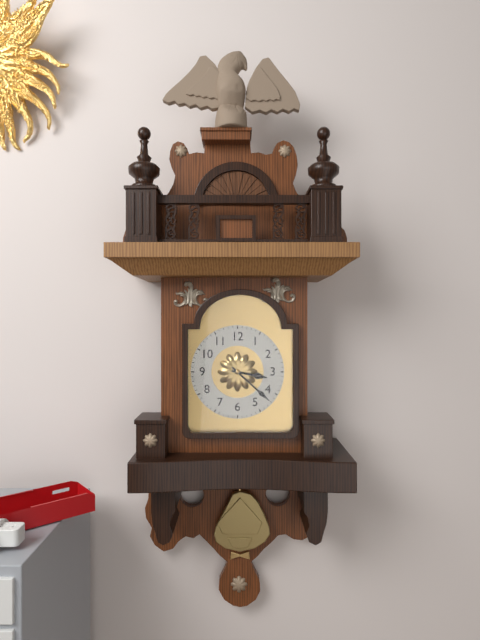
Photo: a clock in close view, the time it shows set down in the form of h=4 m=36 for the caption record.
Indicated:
h=3 m=22
